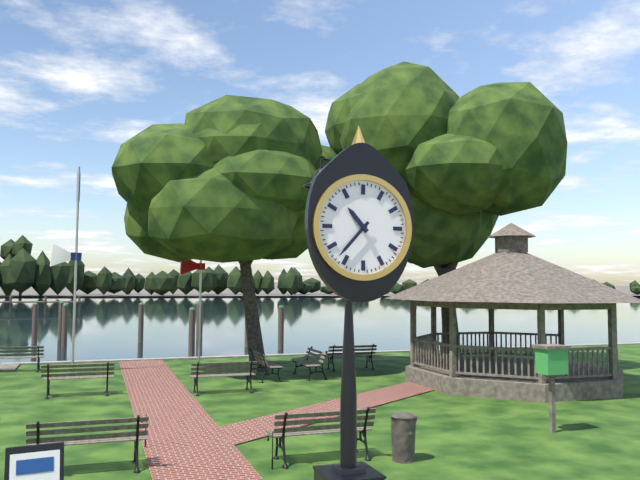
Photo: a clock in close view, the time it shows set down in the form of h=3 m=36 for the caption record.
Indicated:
h=10 m=37
